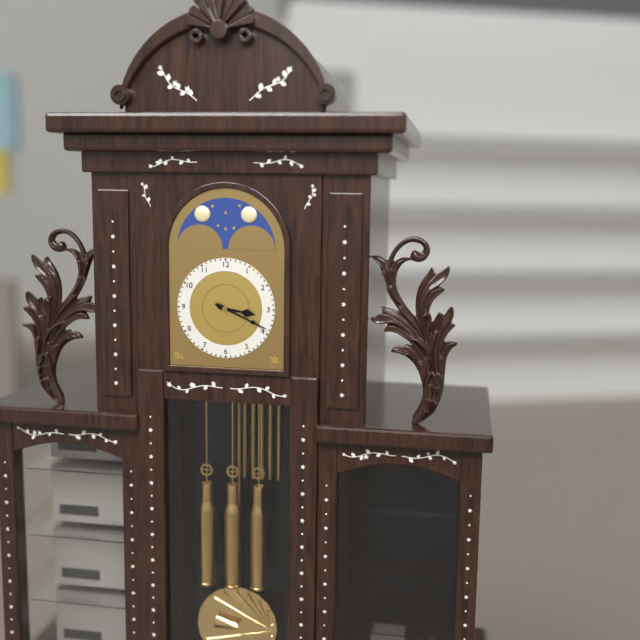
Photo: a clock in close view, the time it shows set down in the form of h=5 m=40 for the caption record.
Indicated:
h=3 m=19
